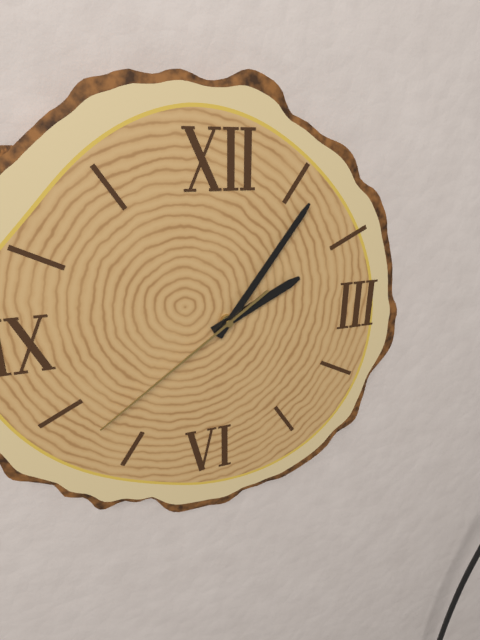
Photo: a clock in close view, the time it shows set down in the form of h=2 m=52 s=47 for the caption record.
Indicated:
h=2 m=6 s=39
